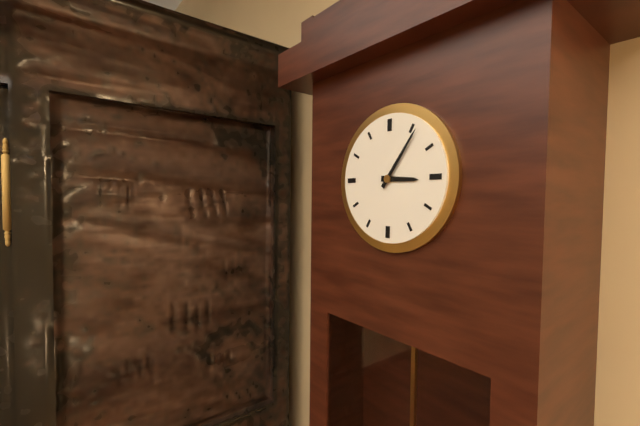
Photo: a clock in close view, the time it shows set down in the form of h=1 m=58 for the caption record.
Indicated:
h=3 m=6
